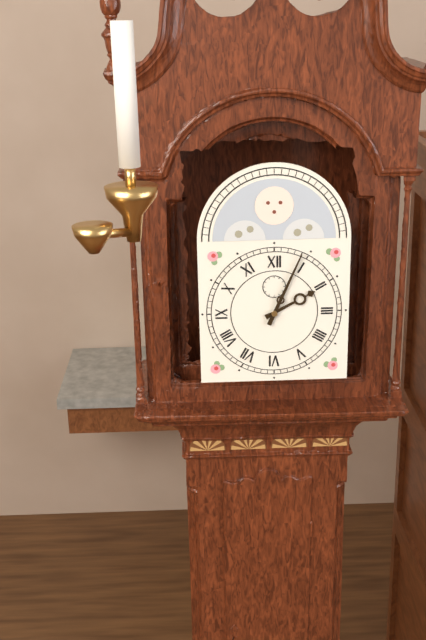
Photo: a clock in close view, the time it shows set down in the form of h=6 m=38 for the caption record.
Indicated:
h=2 m=4
